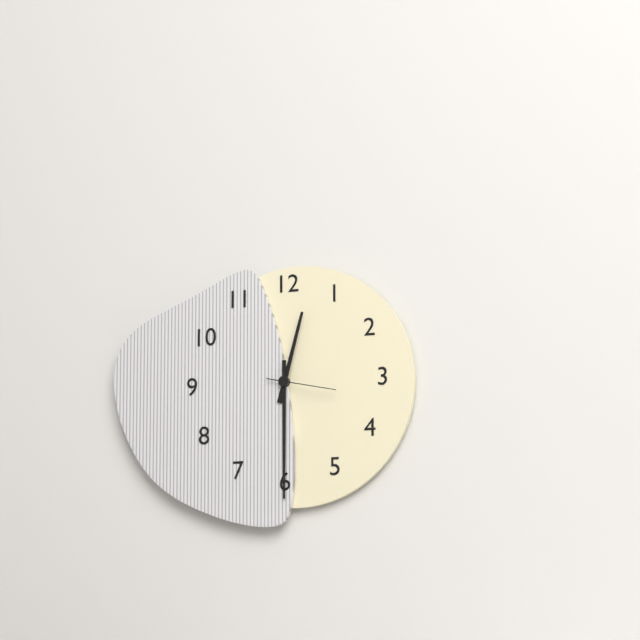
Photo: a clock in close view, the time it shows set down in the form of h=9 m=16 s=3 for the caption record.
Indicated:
h=12 m=30 s=17
